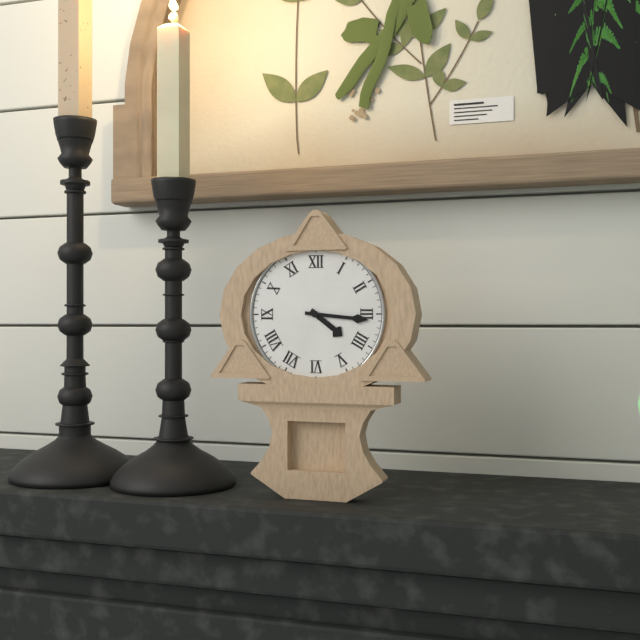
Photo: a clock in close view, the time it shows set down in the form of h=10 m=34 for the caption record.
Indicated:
h=4 m=16
